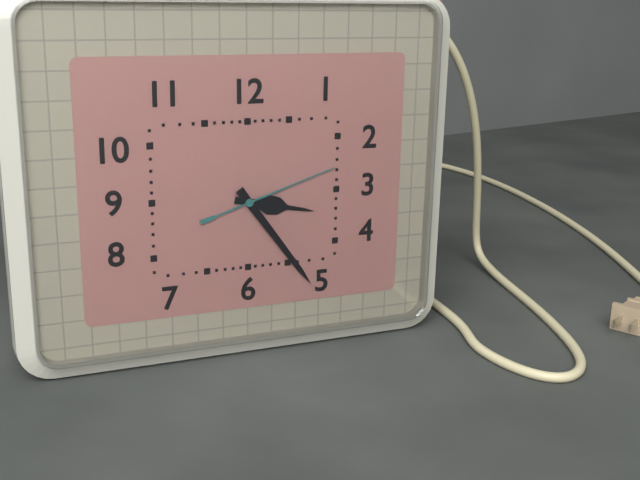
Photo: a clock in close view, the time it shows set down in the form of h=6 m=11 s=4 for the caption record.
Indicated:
h=3 m=24 s=12
